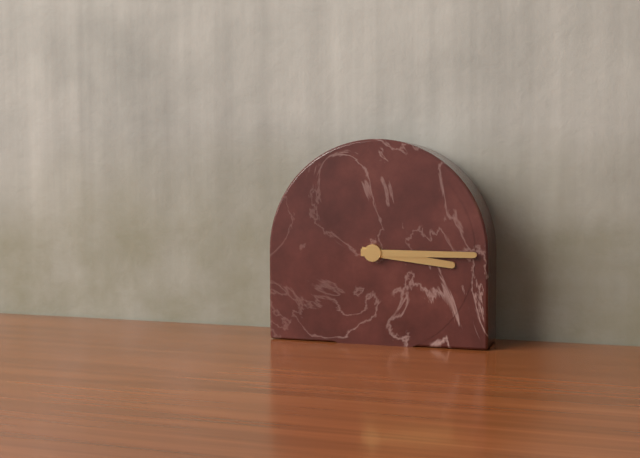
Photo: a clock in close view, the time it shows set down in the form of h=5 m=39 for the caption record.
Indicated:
h=3 m=15
